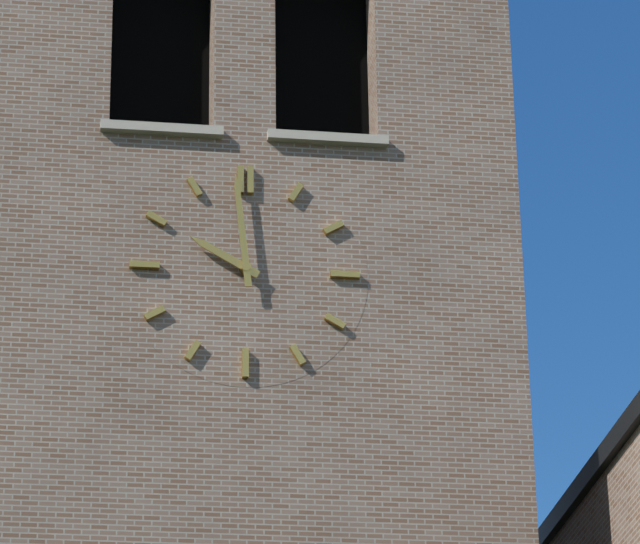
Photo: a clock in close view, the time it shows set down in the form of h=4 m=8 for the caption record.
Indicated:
h=9 m=59
